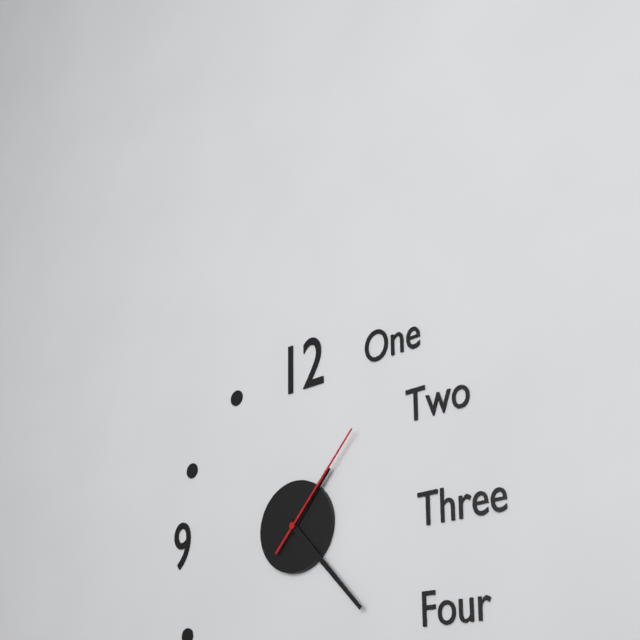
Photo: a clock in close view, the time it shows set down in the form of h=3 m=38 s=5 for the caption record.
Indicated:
h=1 m=23 s=7
